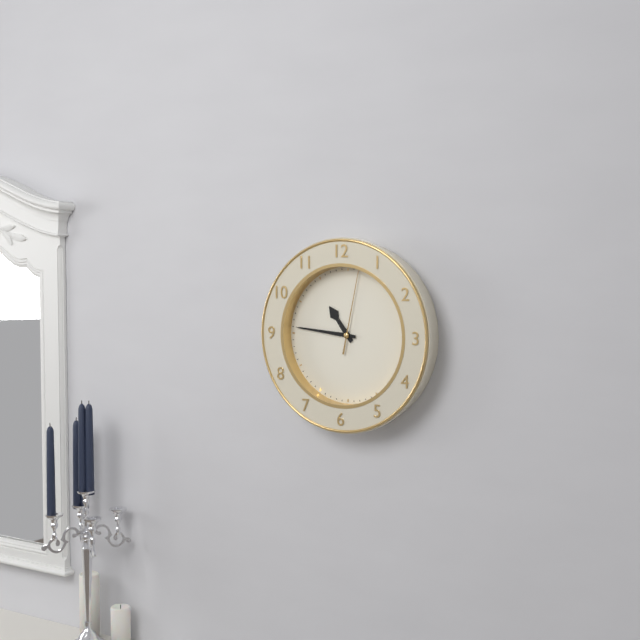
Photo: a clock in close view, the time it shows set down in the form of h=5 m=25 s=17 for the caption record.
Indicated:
h=10 m=46 s=2
